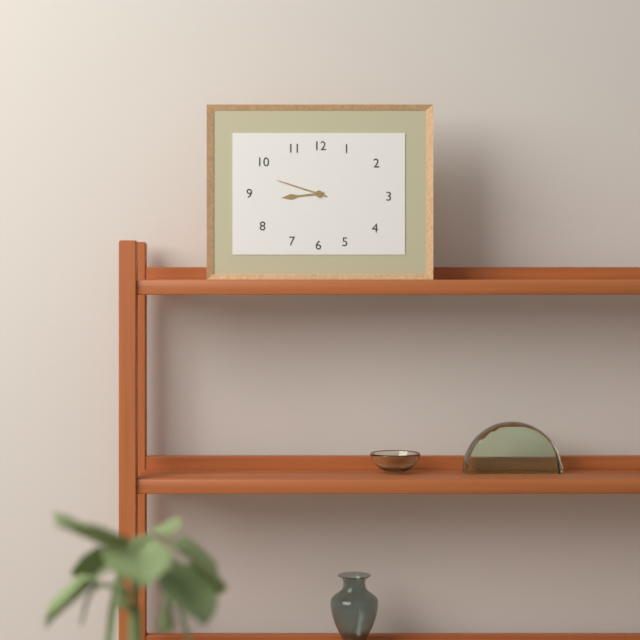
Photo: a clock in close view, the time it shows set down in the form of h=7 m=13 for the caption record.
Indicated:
h=8 m=48
